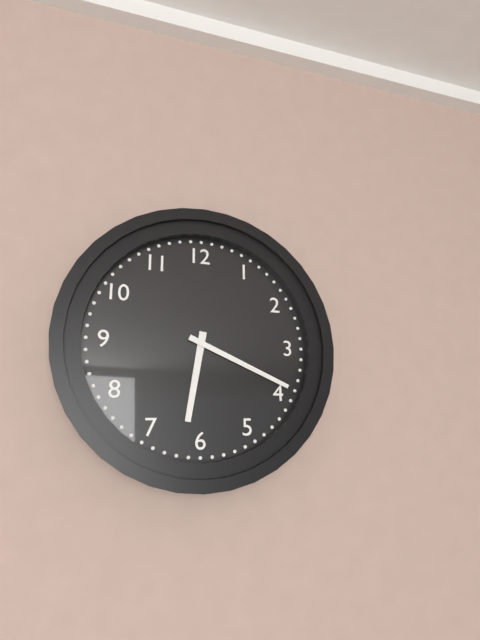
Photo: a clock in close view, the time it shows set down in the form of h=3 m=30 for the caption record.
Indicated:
h=6 m=19
